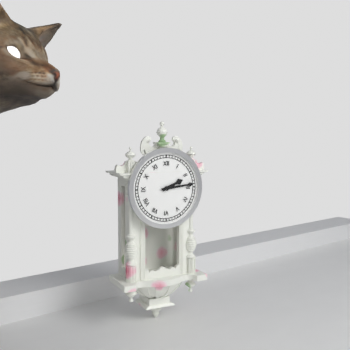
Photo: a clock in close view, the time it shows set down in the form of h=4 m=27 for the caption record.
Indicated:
h=2 m=14
